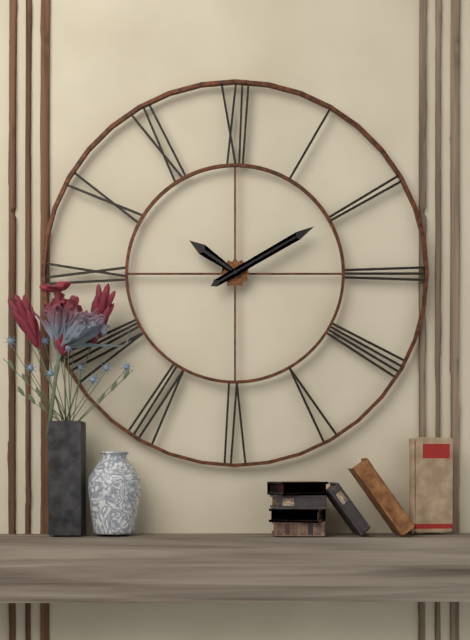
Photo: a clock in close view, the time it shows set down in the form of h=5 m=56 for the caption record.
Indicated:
h=10 m=10
